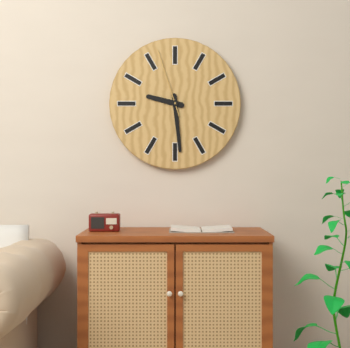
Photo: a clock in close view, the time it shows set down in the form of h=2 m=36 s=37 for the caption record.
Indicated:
h=9 m=29 s=57
